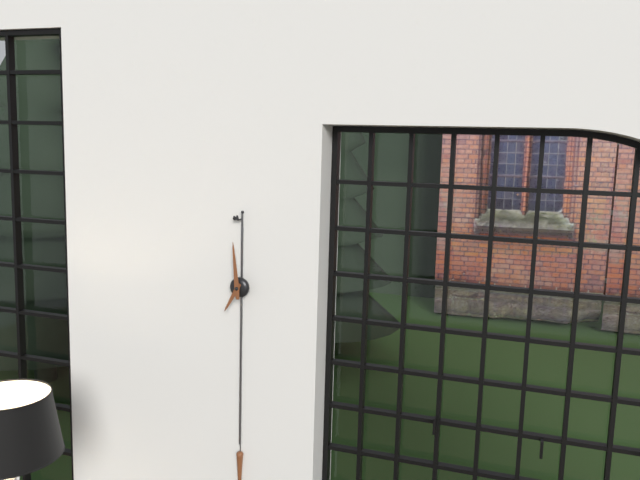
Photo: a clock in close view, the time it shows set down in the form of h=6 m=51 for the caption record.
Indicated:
h=6 m=59
